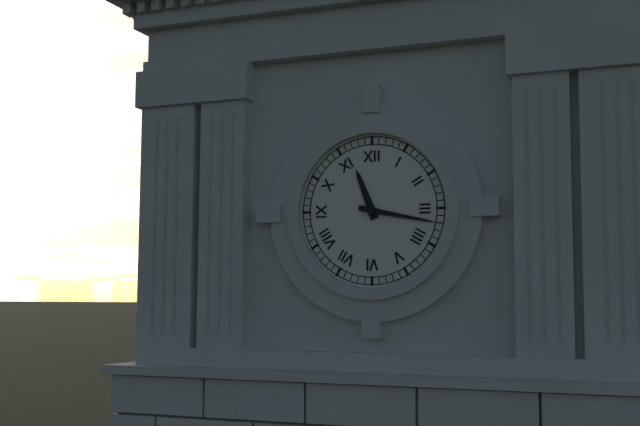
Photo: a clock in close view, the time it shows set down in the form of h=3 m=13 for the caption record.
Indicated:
h=11 m=17
